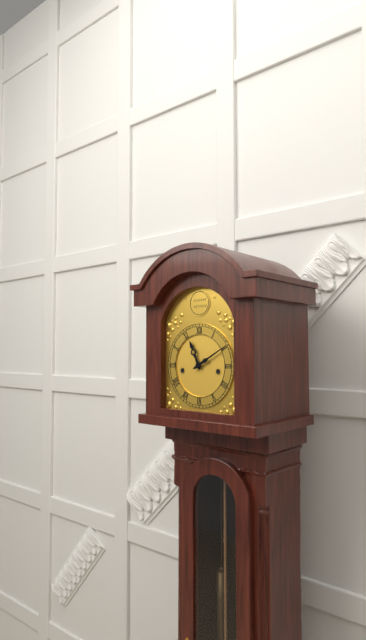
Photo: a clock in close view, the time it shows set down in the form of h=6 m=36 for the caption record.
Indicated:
h=11 m=10
